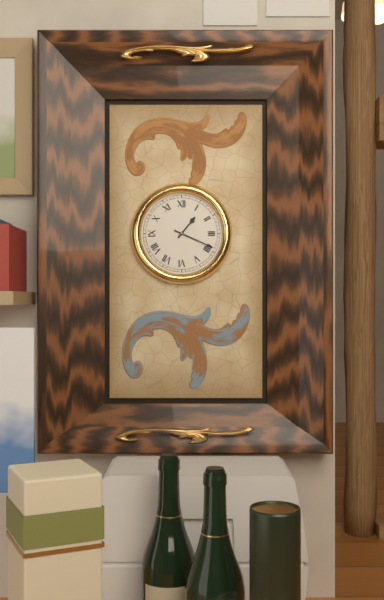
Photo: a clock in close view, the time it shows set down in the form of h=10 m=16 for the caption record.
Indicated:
h=1 m=19
